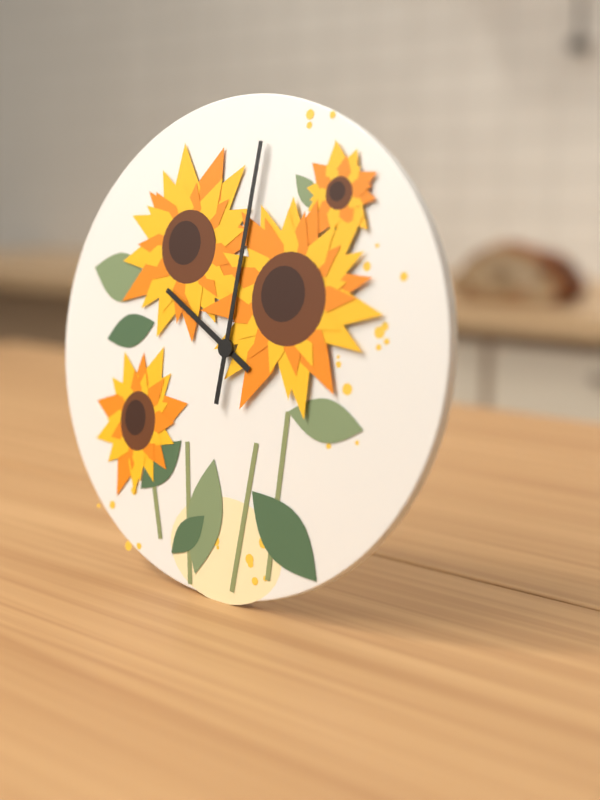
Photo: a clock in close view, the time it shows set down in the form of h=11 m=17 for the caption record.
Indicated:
h=10 m=1
